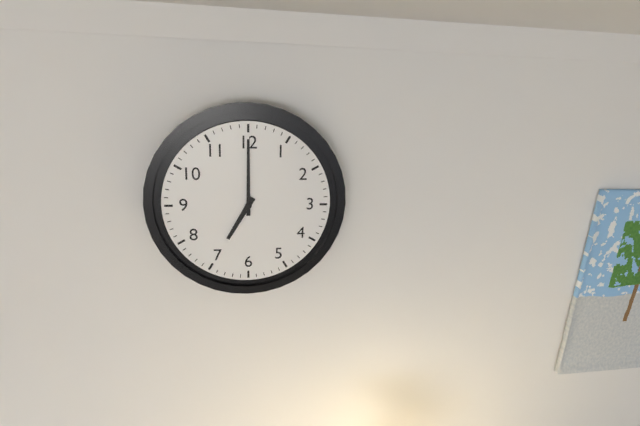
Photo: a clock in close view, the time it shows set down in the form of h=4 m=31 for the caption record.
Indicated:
h=7 m=0
